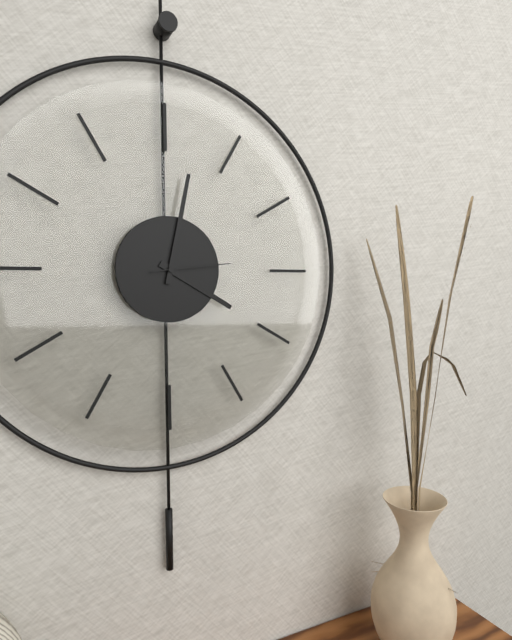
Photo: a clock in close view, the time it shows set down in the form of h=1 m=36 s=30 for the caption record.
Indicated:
h=4 m=2 s=14
